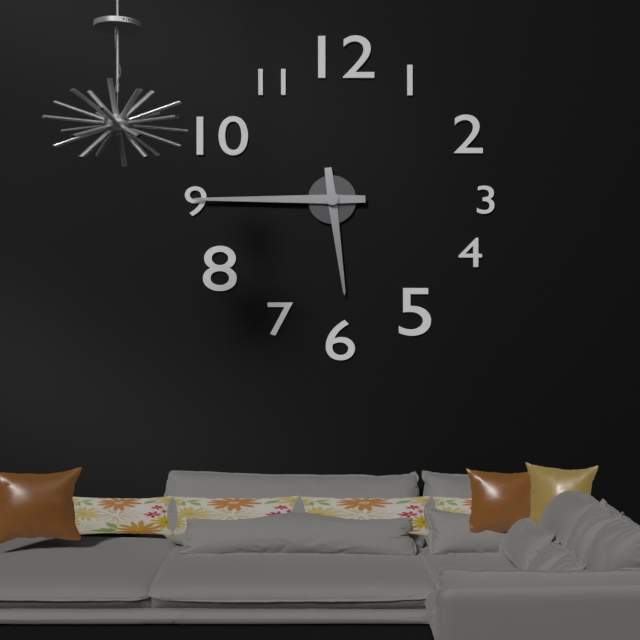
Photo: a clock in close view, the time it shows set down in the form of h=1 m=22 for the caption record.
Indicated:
h=5 m=45
